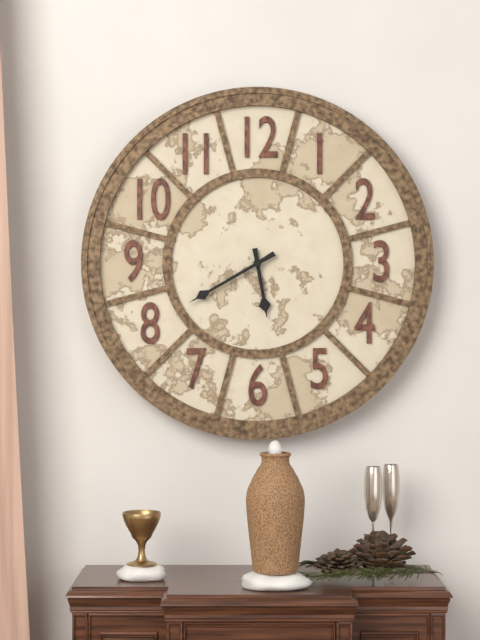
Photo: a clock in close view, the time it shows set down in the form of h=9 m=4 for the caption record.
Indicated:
h=5 m=40
